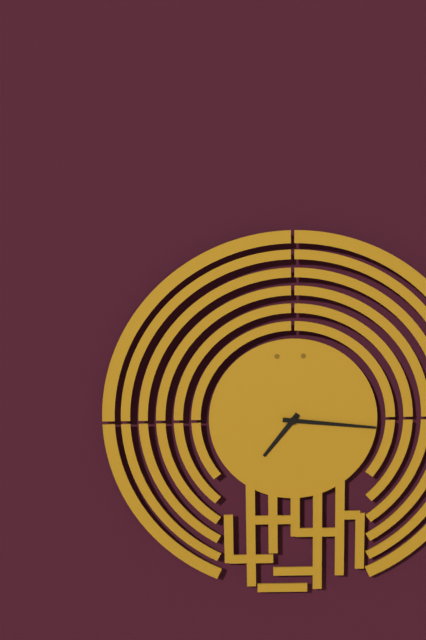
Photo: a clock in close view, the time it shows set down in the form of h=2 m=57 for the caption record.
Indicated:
h=7 m=16
